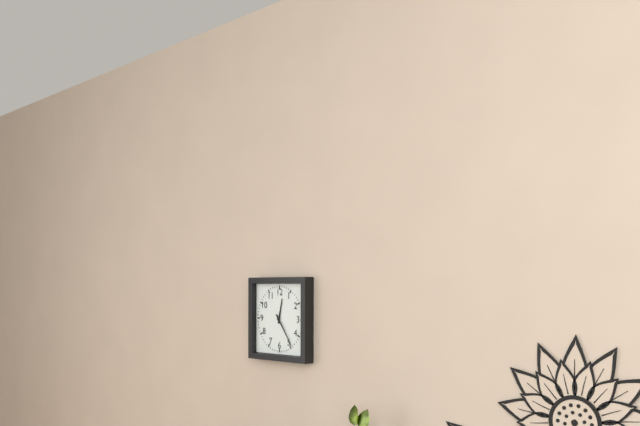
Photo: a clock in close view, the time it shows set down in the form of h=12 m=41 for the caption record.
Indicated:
h=12 m=24
